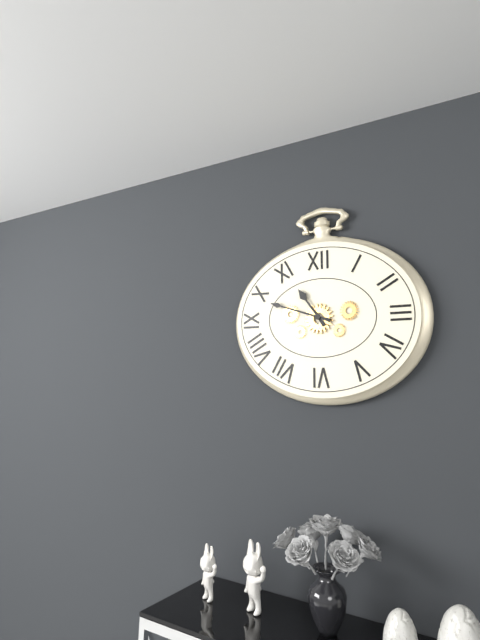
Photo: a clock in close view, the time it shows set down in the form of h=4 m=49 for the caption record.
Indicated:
h=10 m=48
